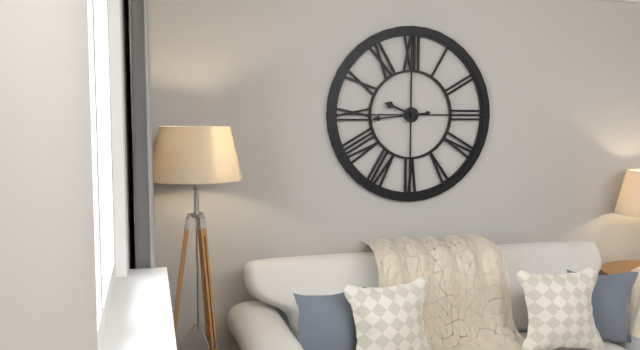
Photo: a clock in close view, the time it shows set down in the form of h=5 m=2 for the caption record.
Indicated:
h=9 m=44
